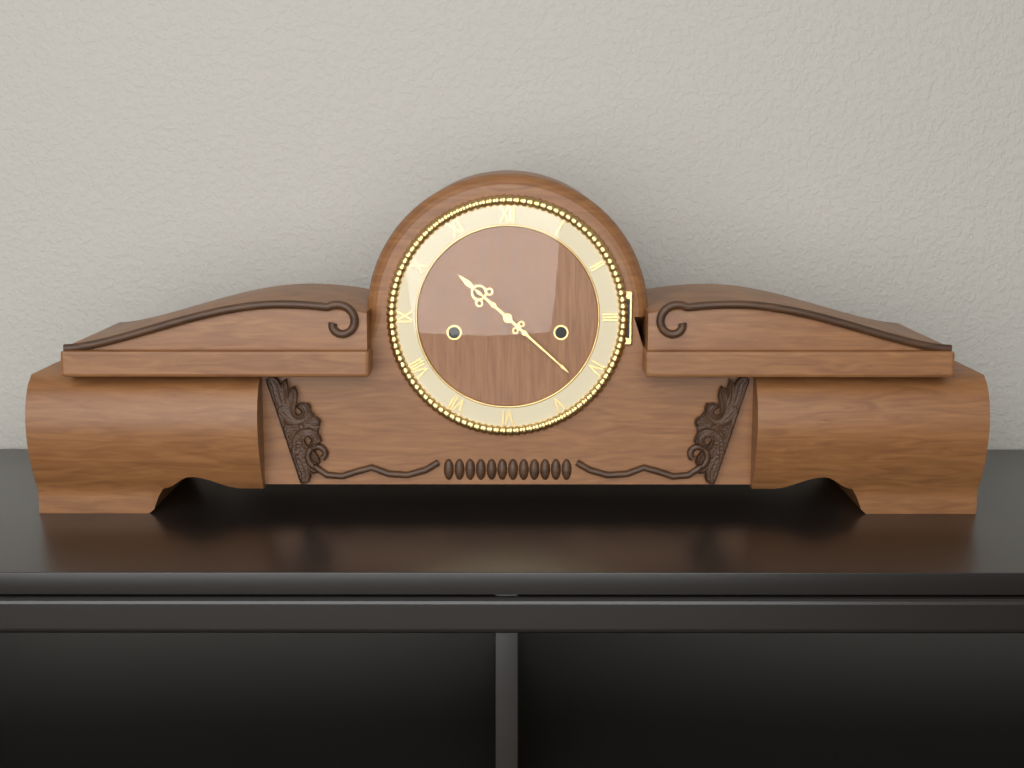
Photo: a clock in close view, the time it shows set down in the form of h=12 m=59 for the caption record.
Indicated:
h=10 m=22
